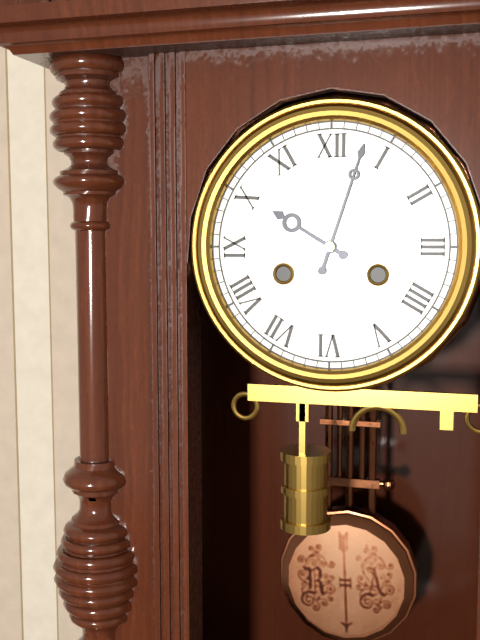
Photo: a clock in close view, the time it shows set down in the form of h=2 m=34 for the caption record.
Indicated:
h=10 m=3
